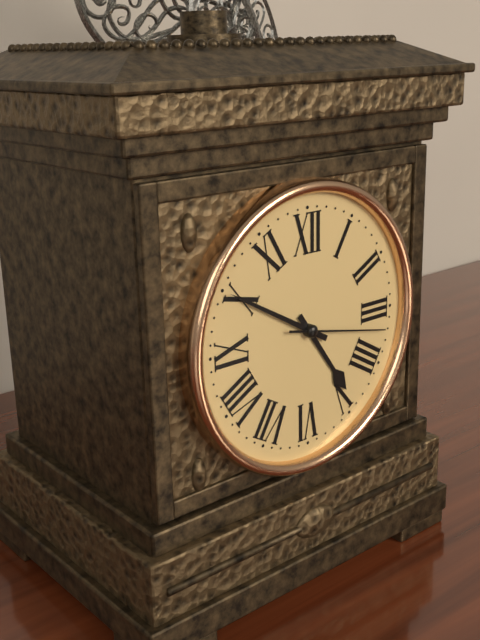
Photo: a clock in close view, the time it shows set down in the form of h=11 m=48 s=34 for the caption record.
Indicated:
h=4 m=50 s=17
